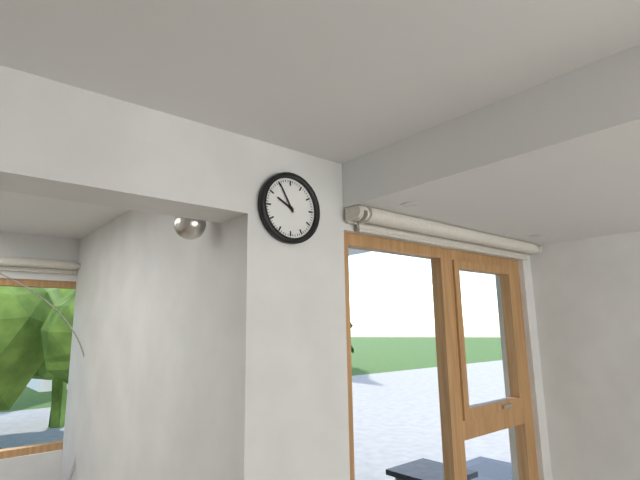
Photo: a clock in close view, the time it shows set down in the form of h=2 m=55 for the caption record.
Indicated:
h=9 m=55
